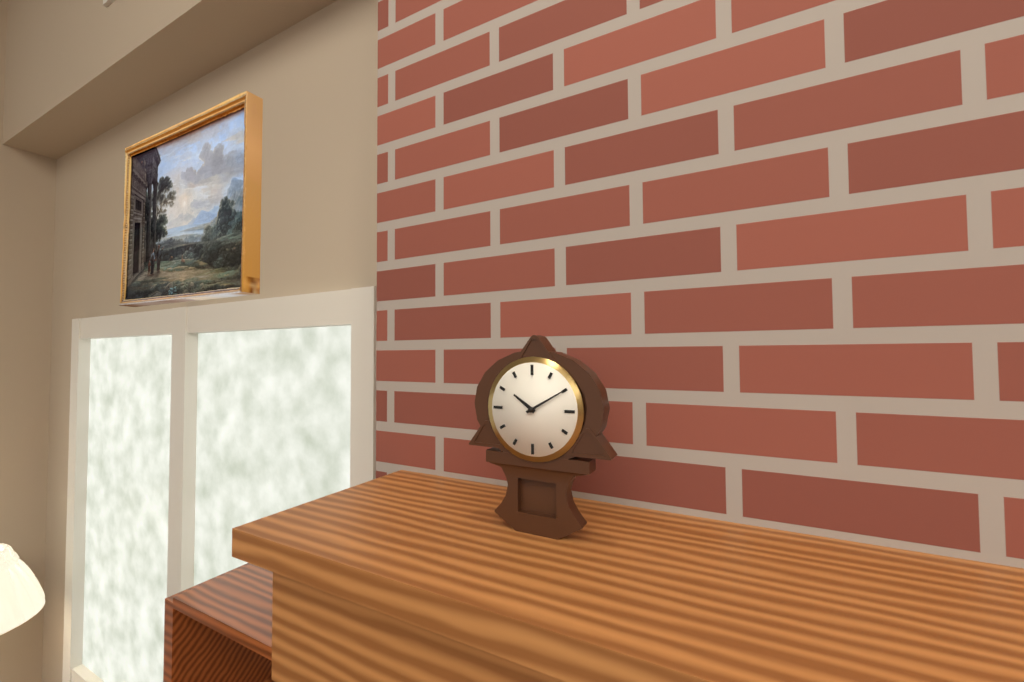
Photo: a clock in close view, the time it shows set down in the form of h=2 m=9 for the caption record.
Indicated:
h=10 m=10
